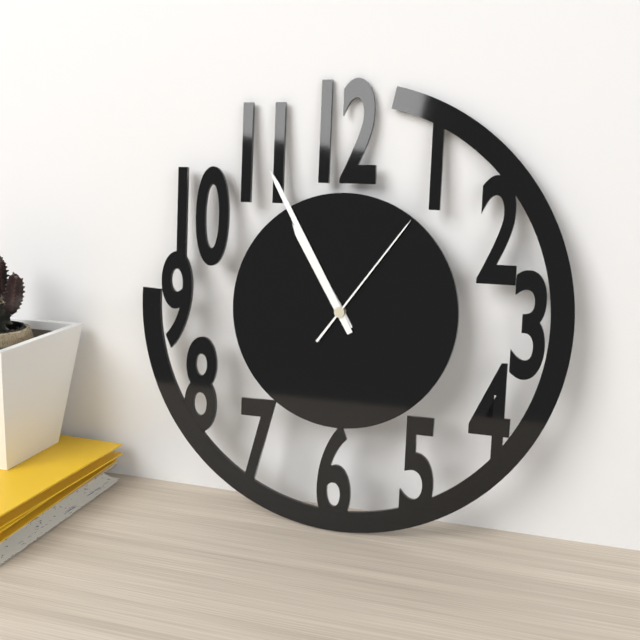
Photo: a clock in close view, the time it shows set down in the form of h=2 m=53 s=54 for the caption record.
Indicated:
h=10 m=55 s=6
